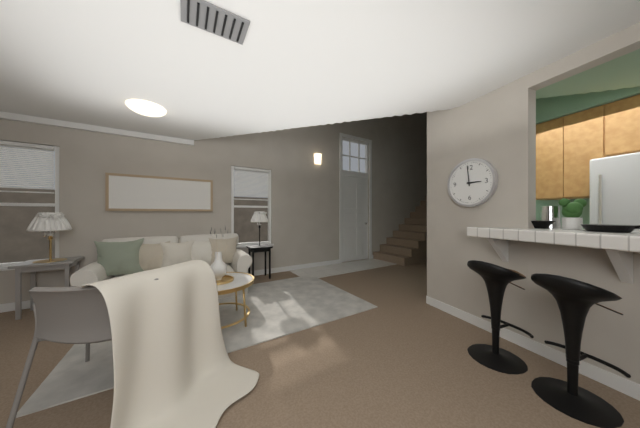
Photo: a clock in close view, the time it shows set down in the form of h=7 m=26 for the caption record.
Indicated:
h=2 m=59
